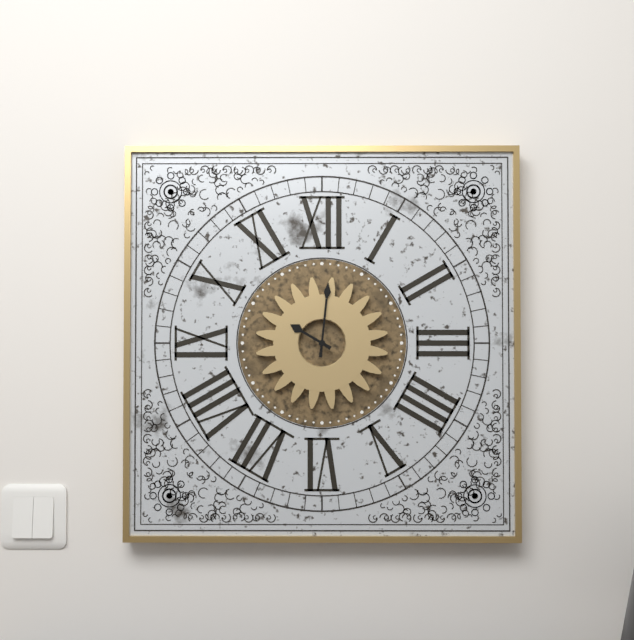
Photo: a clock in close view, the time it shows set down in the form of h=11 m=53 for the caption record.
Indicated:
h=10 m=1
